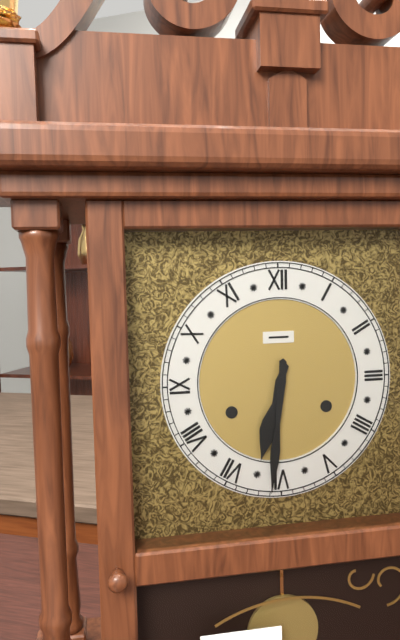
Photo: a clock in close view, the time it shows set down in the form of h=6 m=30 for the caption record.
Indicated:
h=6 m=31
